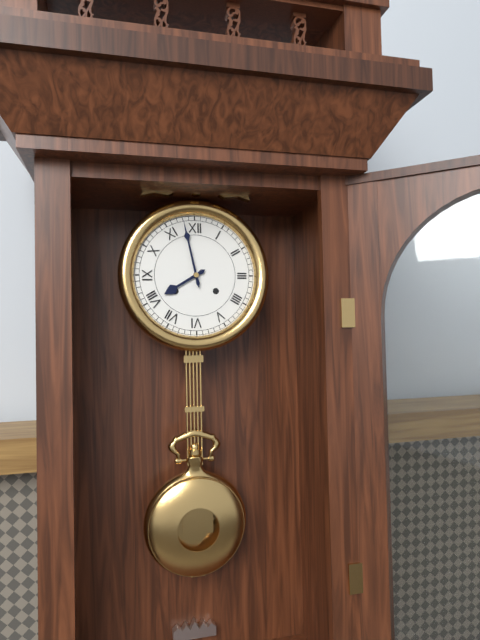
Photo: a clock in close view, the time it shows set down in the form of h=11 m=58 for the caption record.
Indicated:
h=7 m=58
